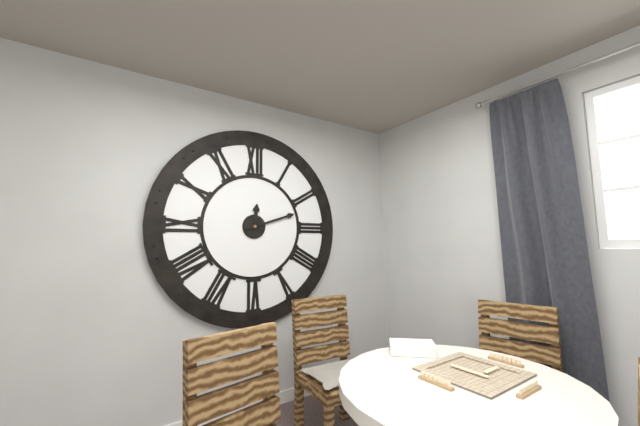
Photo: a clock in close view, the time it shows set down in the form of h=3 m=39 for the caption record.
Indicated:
h=12 m=12
